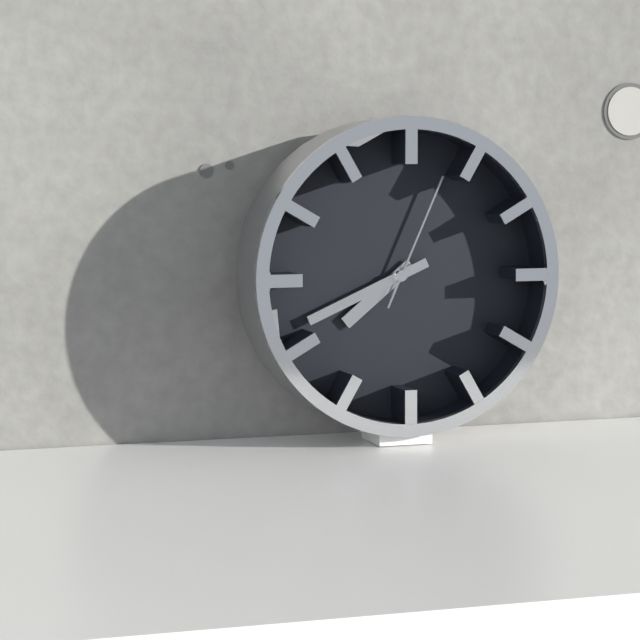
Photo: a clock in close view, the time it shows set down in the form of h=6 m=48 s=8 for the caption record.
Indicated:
h=7 m=41 s=4
